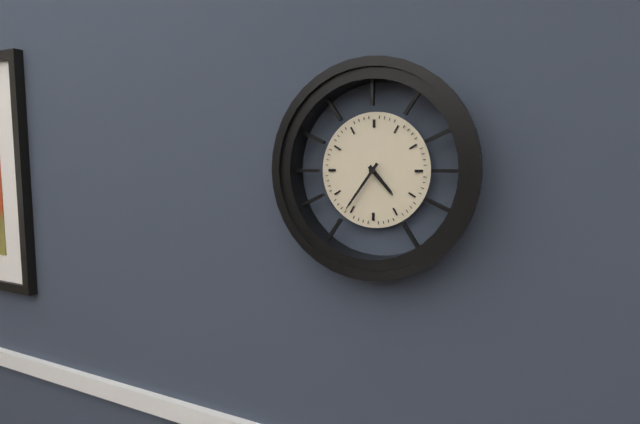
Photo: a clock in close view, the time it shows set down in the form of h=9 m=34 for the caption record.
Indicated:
h=4 m=36
